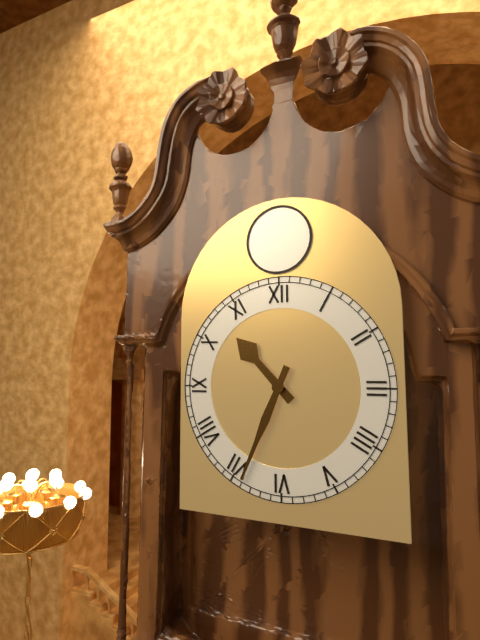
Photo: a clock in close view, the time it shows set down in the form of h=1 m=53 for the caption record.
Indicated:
h=10 m=34
